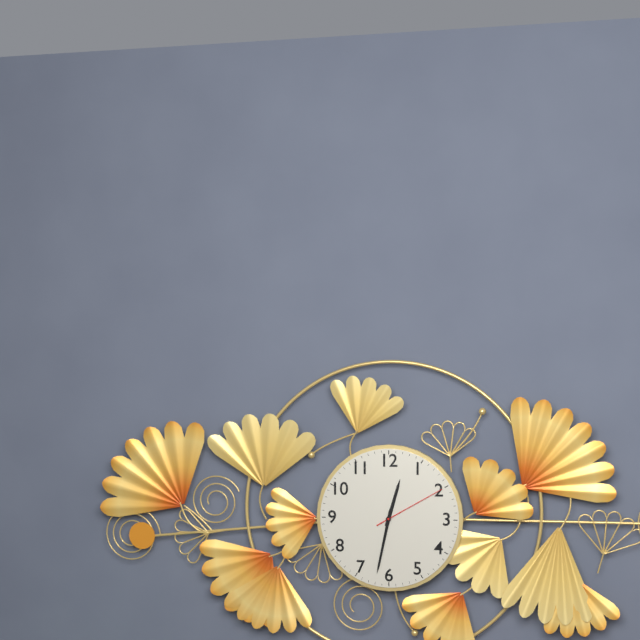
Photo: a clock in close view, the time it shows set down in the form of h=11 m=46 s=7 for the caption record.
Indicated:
h=12 m=32 s=10
